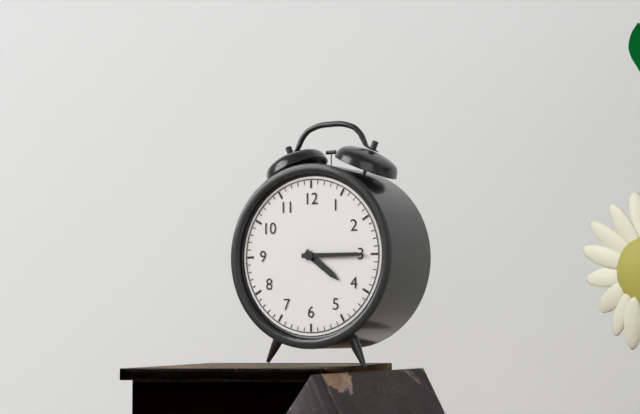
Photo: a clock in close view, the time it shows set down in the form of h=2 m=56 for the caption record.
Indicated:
h=4 m=15
